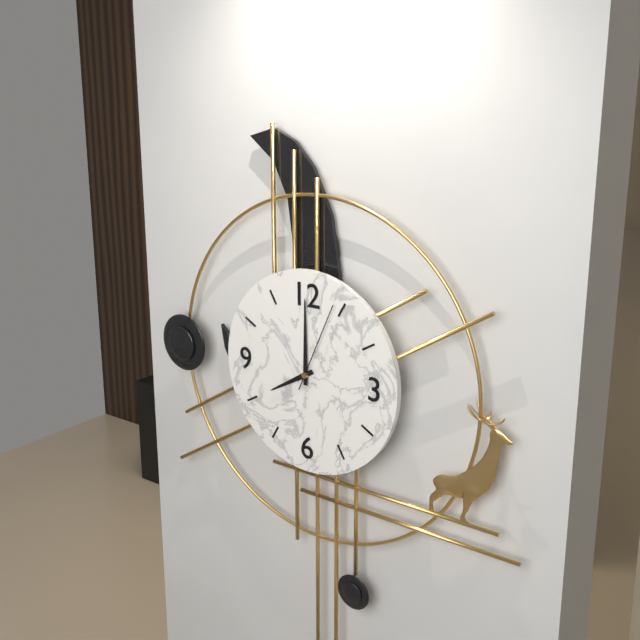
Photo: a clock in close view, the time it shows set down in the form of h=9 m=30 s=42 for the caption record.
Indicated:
h=8 m=0 s=4
